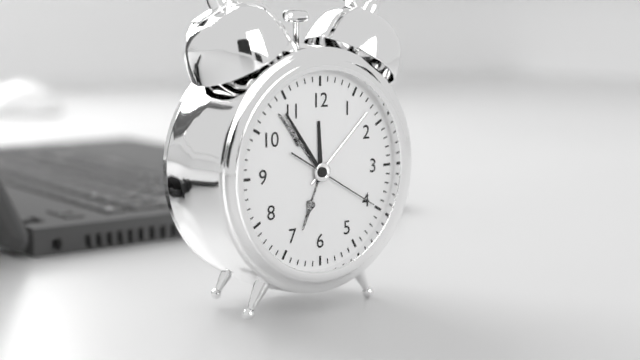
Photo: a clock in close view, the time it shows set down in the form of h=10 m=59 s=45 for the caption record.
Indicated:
h=11 m=54 s=20
